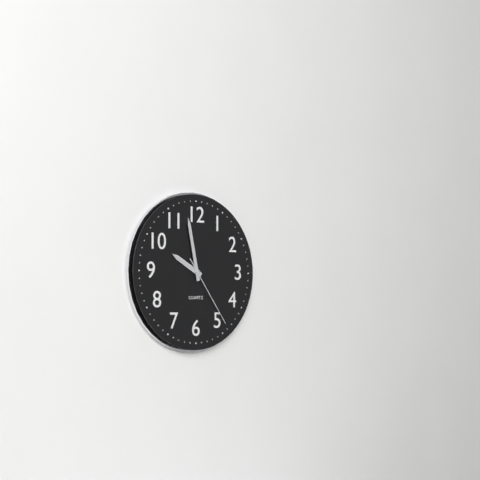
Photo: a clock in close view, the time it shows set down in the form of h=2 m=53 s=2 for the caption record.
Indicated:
h=9 m=58 s=24
